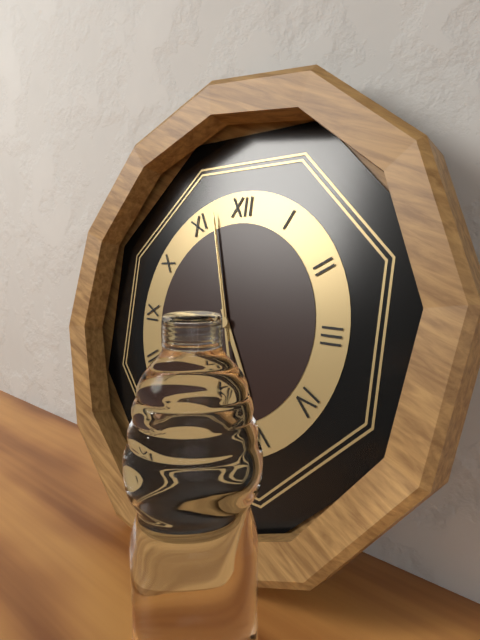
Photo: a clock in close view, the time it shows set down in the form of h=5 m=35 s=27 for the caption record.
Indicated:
h=4 m=57 s=57
